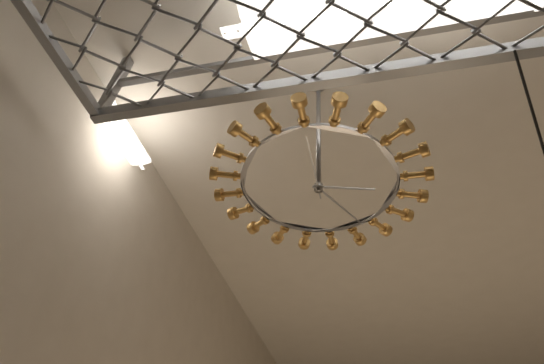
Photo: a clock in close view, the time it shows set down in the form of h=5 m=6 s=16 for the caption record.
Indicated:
h=3 m=25 s=0
